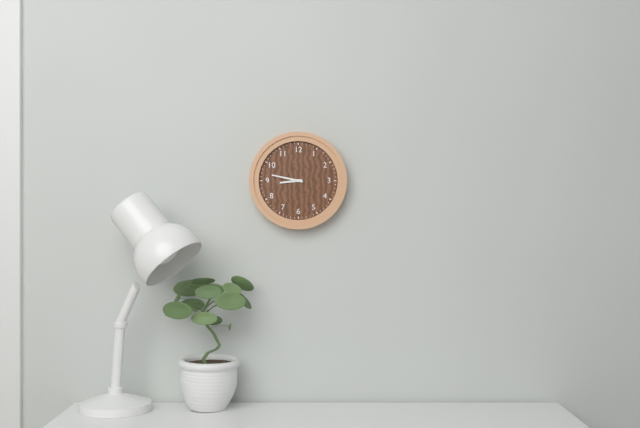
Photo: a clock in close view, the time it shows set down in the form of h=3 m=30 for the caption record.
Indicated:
h=8 m=47
